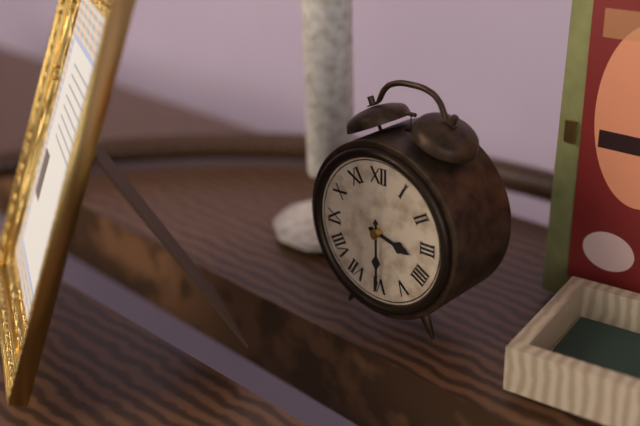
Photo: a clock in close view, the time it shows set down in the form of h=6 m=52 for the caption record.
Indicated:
h=3 m=30
